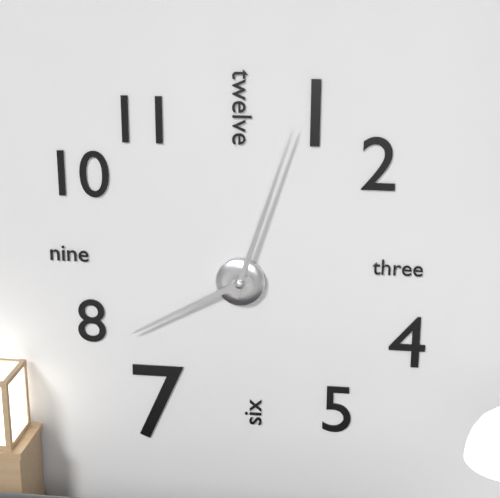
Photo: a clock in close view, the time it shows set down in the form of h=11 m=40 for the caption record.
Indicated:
h=8 m=3
